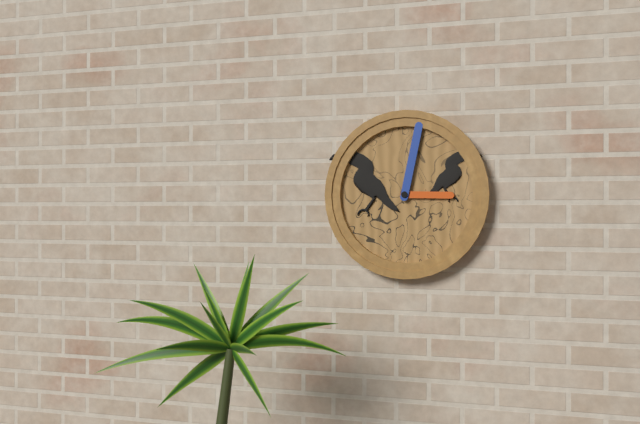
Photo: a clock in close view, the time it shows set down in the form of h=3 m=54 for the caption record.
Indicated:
h=3 m=2
